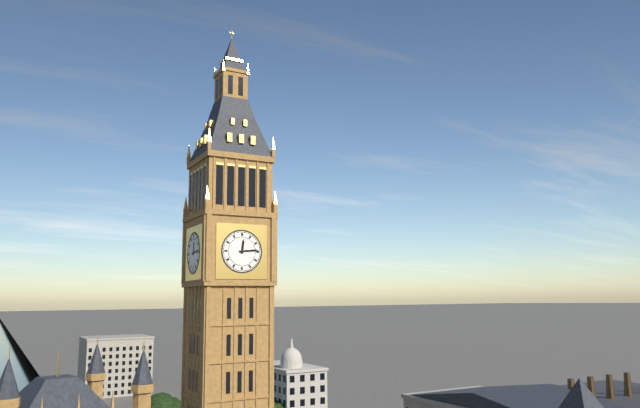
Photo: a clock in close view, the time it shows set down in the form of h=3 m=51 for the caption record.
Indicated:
h=12 m=14
